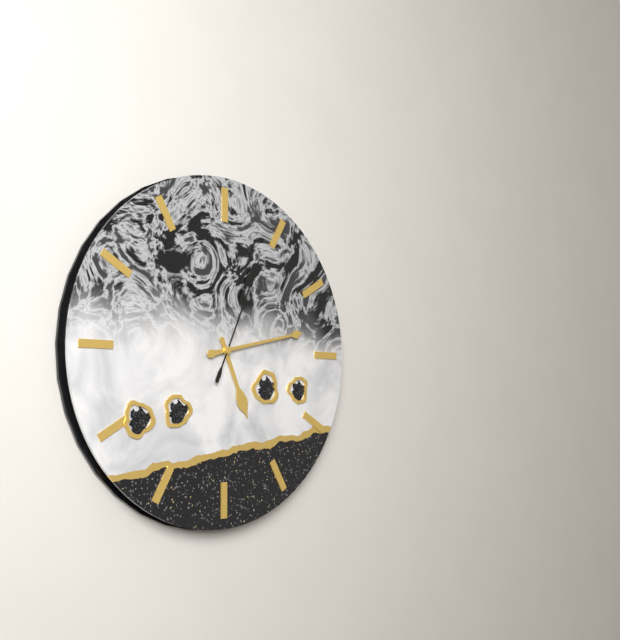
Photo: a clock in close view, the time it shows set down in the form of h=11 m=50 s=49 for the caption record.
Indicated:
h=5 m=13 s=4
